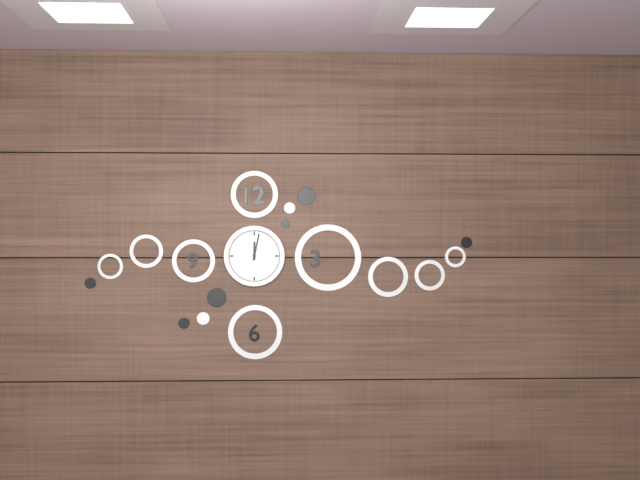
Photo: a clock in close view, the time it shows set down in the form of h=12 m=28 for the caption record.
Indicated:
h=12 m=2
